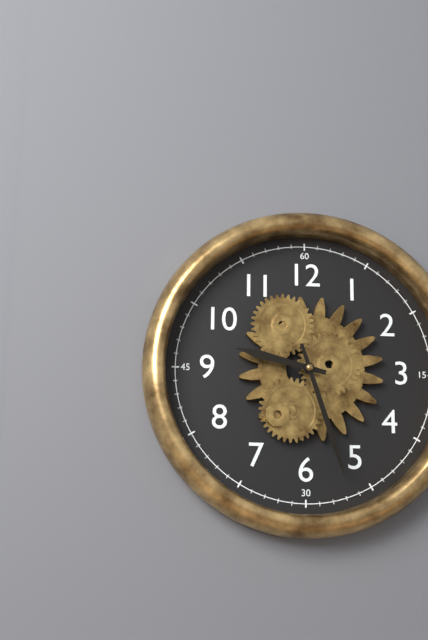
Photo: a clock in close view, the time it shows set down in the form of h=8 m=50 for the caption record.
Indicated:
h=9 m=27
